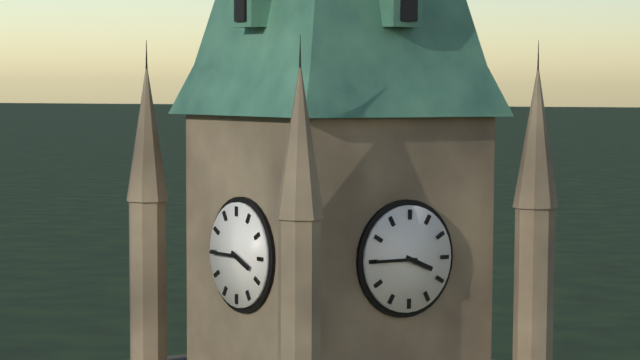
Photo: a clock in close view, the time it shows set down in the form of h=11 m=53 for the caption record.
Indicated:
h=3 m=45
